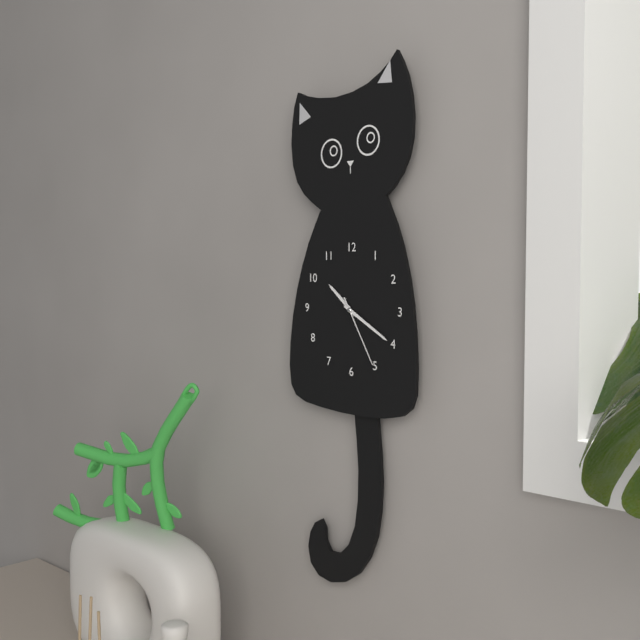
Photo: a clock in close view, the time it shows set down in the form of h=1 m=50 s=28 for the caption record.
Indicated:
h=10 m=20 s=25
